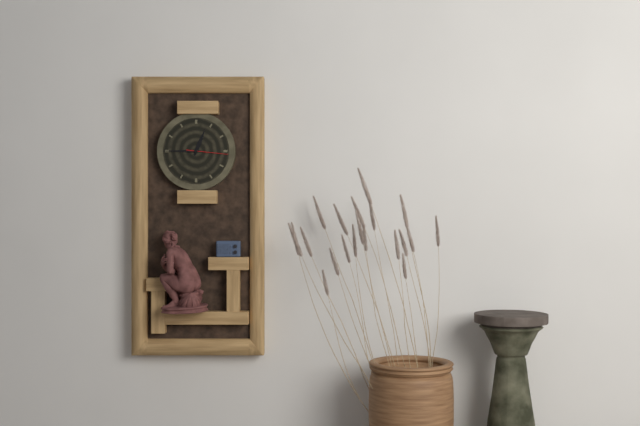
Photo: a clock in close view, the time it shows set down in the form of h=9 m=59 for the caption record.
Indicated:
h=12 m=45
